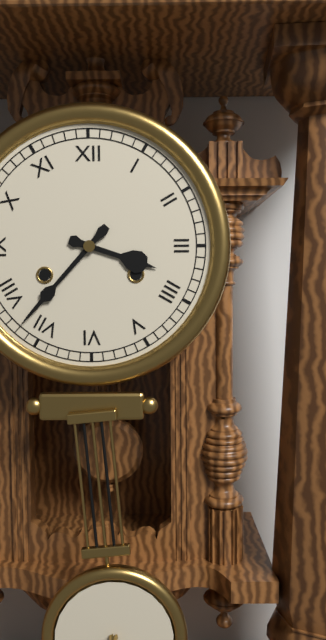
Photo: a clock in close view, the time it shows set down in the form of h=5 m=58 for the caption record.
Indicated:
h=3 m=37
